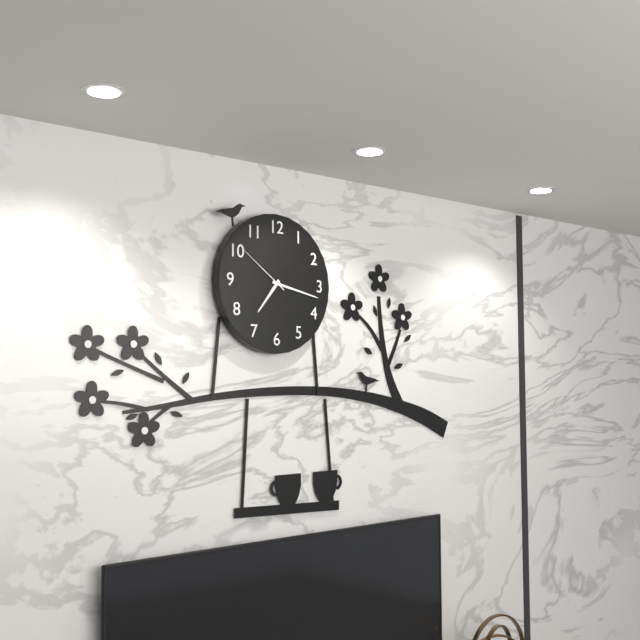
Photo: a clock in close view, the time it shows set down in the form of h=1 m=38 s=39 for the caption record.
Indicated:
h=7 m=17 s=51
